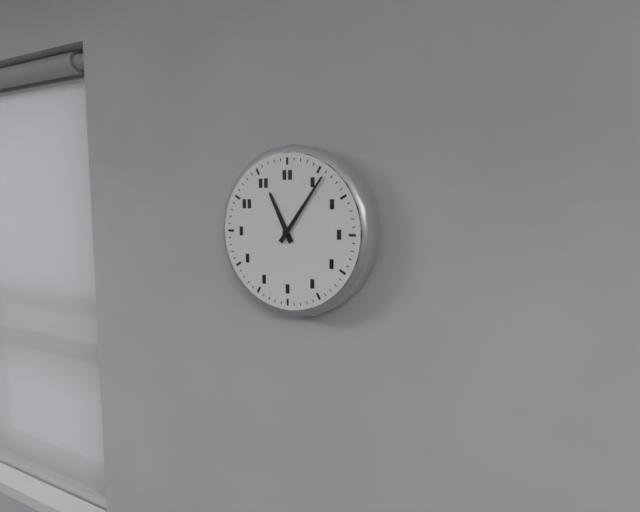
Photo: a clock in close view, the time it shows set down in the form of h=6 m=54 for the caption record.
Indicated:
h=11 m=6
